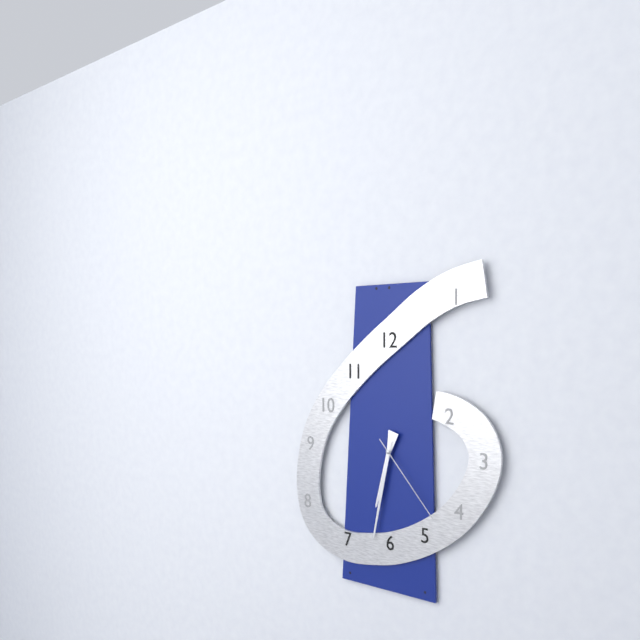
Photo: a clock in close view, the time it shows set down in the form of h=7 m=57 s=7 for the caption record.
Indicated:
h=6 m=32 s=23
